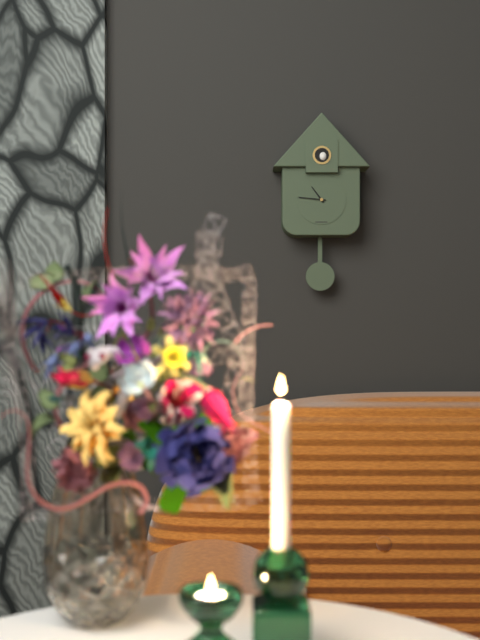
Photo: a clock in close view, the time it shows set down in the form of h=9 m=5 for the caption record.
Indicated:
h=10 m=46
